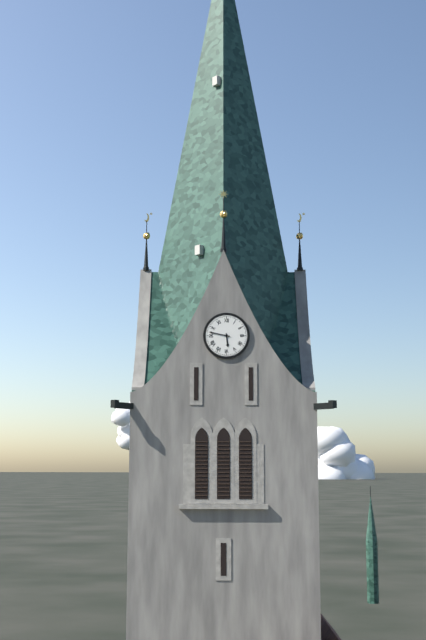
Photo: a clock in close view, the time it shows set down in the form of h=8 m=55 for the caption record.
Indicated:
h=5 m=47
